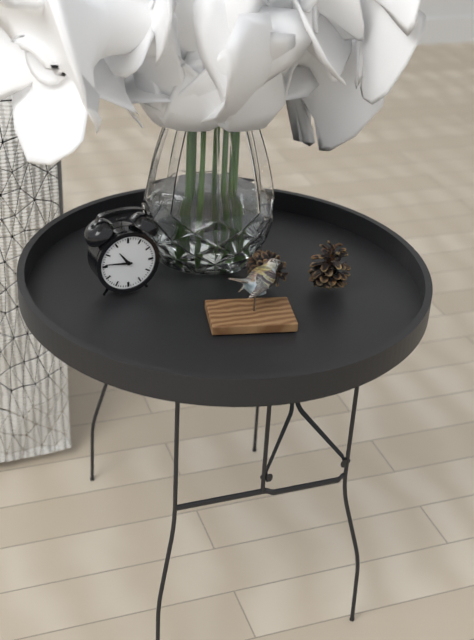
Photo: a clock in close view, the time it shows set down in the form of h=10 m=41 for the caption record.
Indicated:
h=10 m=46
